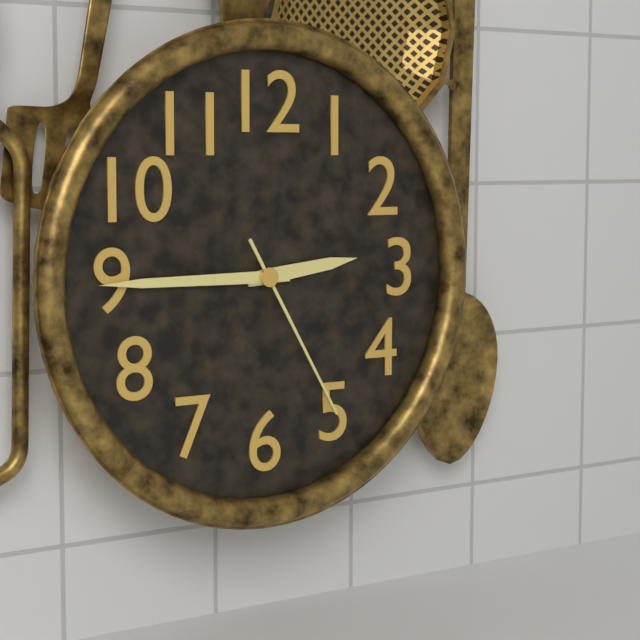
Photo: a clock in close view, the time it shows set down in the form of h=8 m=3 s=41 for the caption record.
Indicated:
h=2 m=45 s=25
